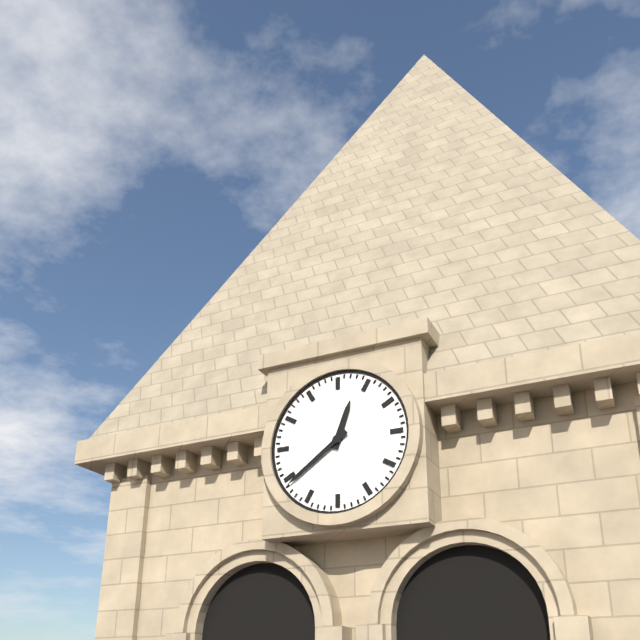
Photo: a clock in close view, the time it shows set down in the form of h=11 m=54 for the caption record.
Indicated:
h=12 m=39
